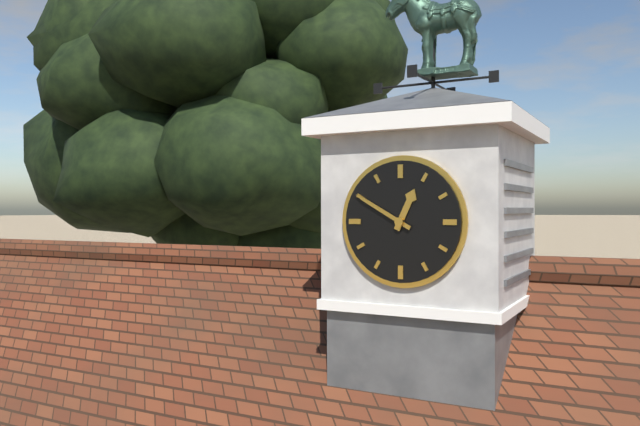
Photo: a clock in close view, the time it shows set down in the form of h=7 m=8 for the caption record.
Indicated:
h=12 m=50
